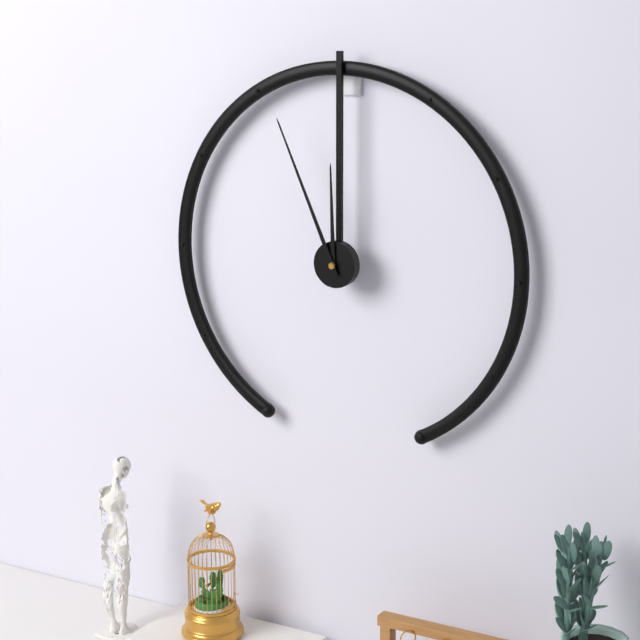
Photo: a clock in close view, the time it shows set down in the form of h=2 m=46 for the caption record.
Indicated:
h=11 m=56
